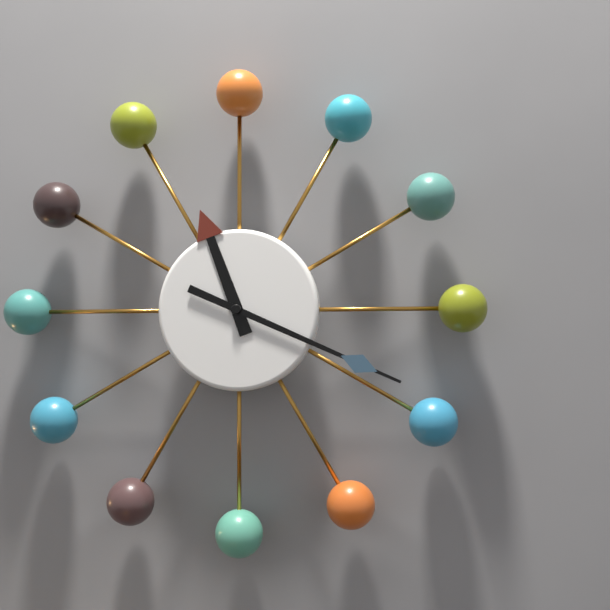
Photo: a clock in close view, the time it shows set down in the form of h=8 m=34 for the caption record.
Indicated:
h=11 m=19
